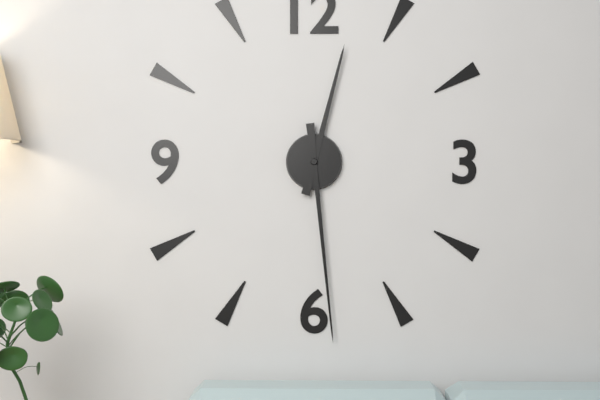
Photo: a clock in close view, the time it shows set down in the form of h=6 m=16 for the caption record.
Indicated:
h=12 m=29
